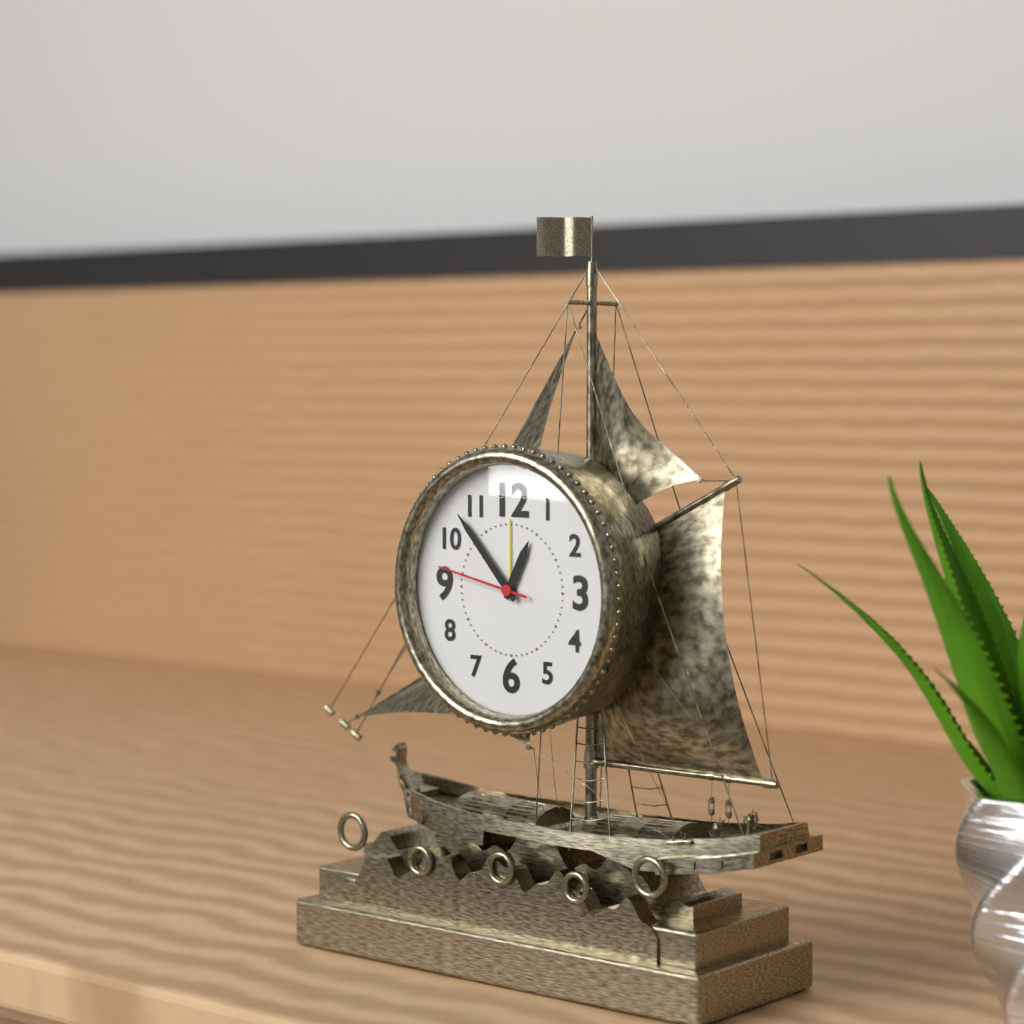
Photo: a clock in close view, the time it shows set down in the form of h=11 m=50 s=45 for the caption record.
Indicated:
h=12 m=53 s=47
